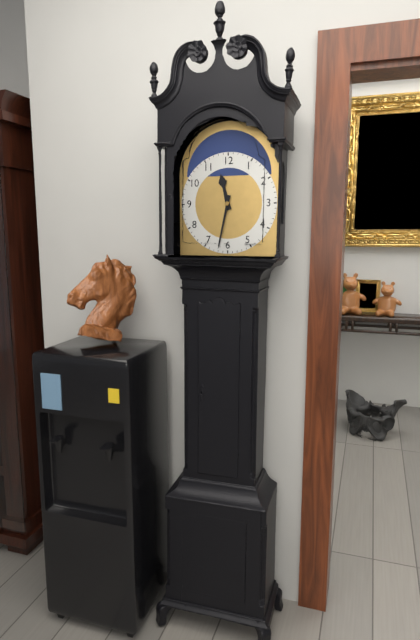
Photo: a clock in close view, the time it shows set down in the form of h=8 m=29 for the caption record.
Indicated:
h=11 m=32
